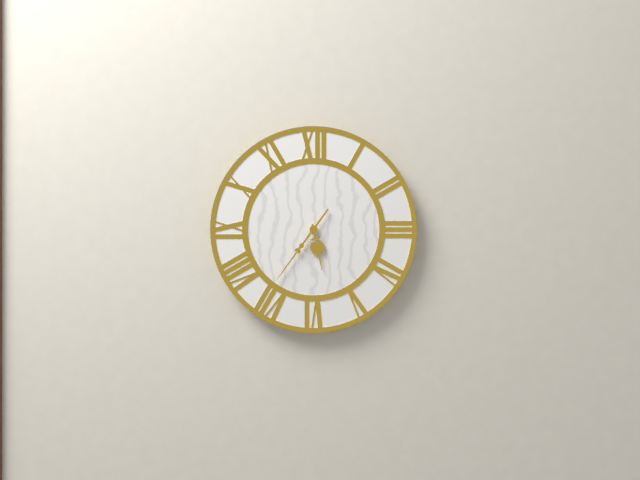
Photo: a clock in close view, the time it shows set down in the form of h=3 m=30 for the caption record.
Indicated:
h=5 m=36
